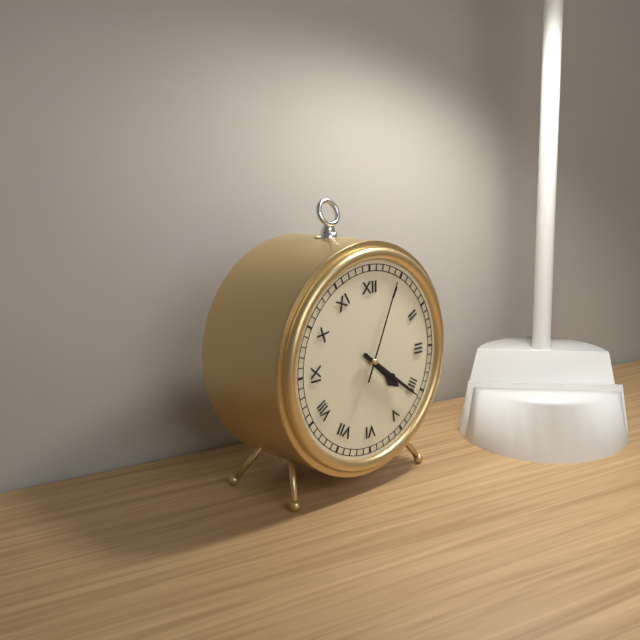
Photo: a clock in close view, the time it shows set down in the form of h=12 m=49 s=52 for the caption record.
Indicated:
h=4 m=21 s=4
